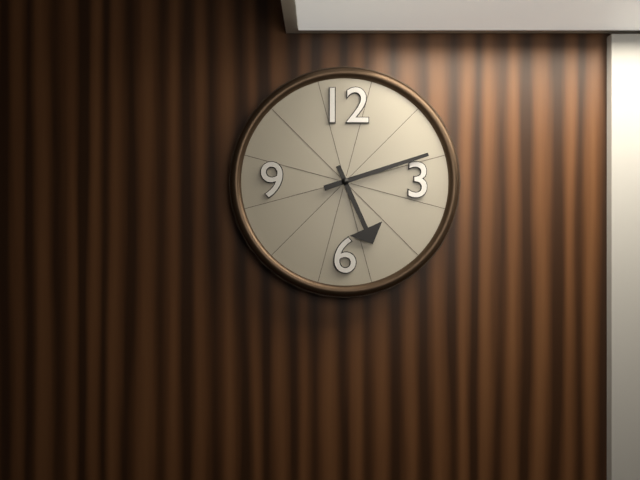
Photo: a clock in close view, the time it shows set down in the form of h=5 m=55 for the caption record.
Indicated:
h=5 m=12
